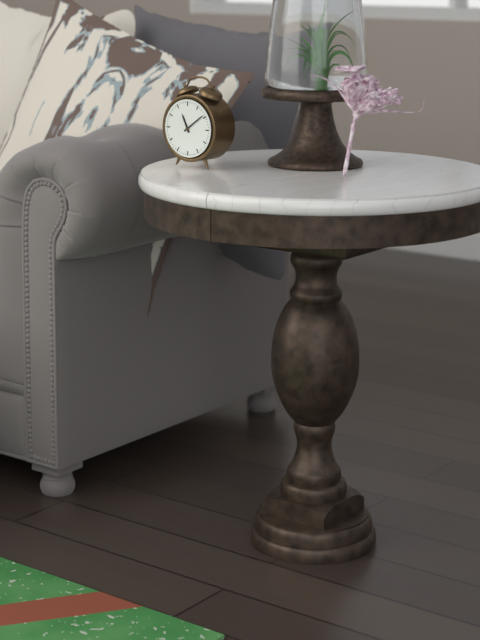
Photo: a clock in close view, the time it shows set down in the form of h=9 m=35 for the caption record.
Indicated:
h=11 m=9
